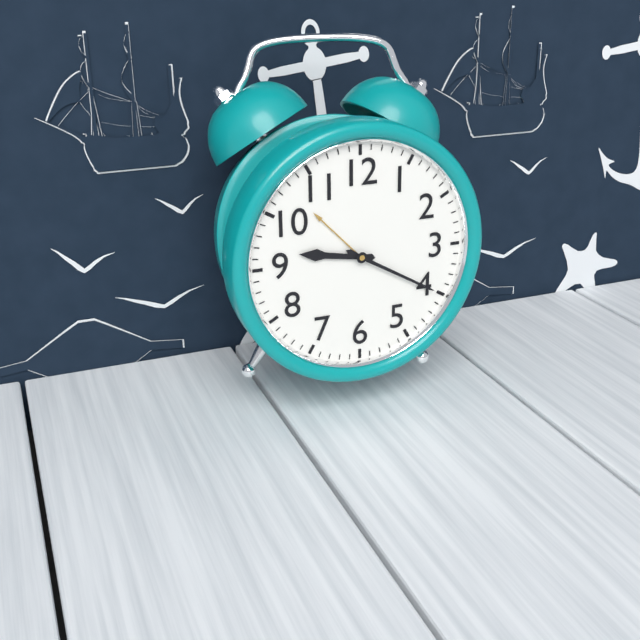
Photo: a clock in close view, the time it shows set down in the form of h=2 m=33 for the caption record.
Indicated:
h=9 m=20
